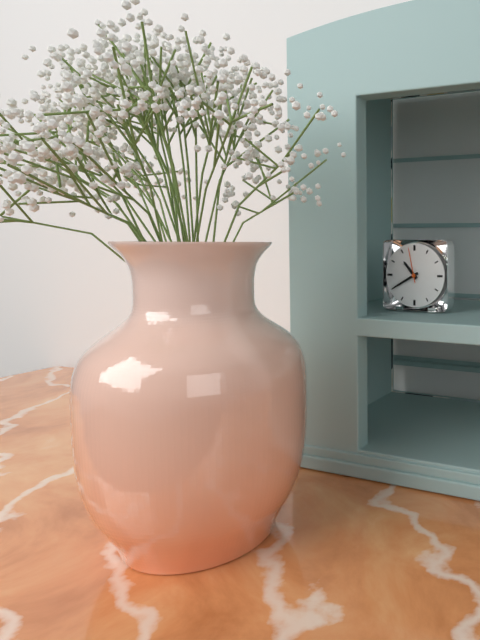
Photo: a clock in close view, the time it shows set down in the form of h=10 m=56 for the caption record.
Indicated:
h=10 m=40
